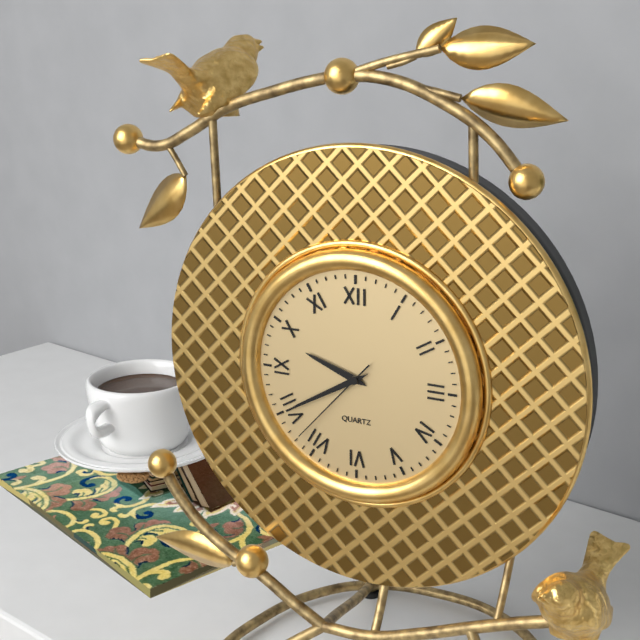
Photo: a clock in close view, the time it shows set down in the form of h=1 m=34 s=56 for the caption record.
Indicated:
h=9 m=40 s=37
